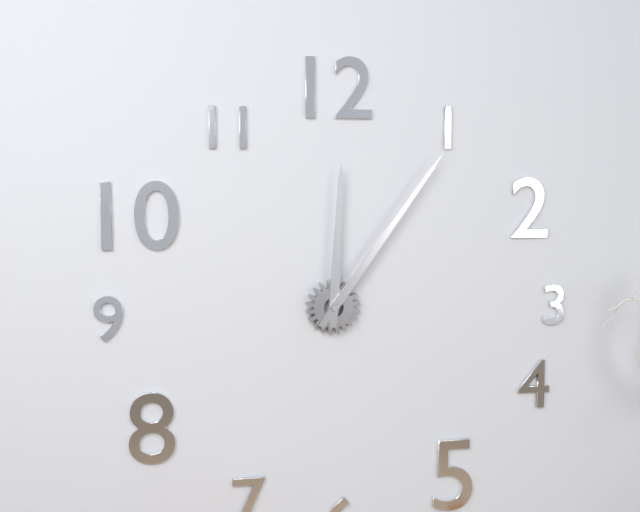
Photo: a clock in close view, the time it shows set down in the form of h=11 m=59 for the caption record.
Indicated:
h=12 m=6
